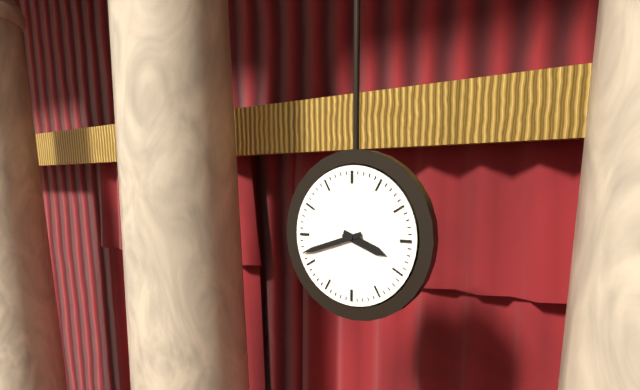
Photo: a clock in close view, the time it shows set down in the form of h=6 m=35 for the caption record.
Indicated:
h=3 m=42
